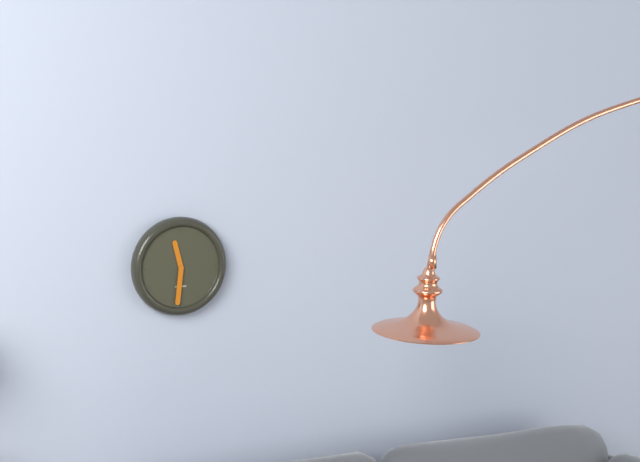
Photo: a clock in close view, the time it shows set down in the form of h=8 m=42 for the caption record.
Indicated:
h=11 m=31
